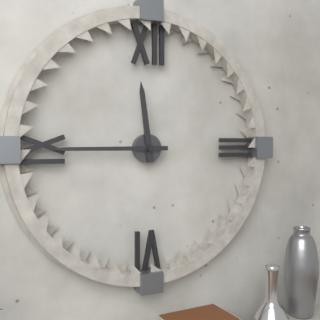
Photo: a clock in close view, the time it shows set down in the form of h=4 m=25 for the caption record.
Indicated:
h=11 m=45
